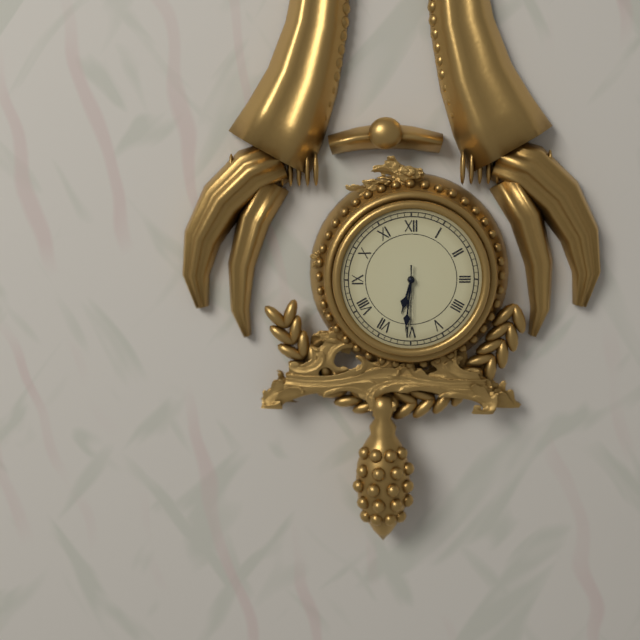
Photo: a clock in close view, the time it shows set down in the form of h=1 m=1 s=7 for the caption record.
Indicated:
h=6 m=31 s=30
